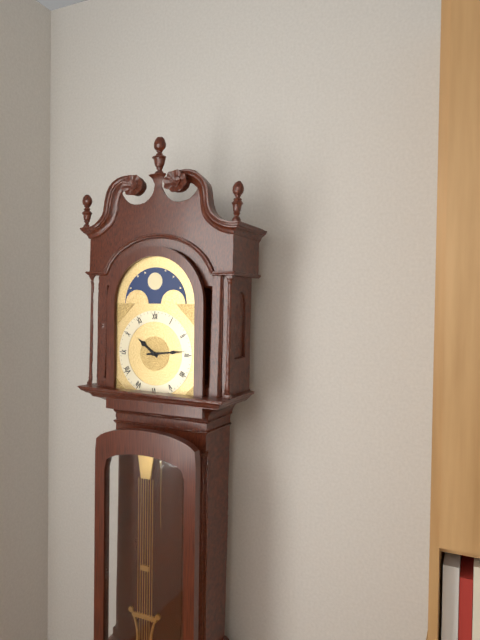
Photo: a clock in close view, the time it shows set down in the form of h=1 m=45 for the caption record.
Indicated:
h=10 m=14
